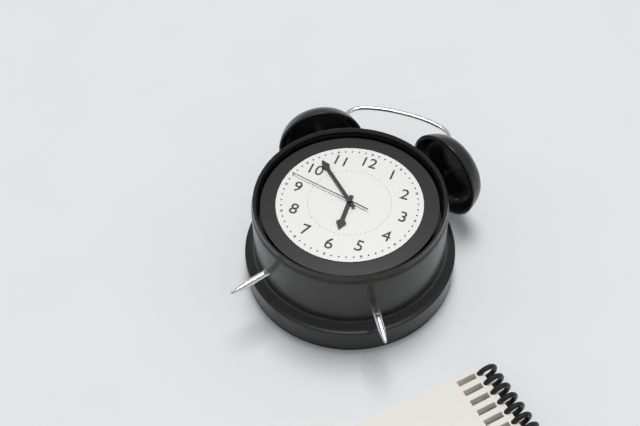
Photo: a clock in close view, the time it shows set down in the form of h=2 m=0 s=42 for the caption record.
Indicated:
h=5 m=52 s=47
